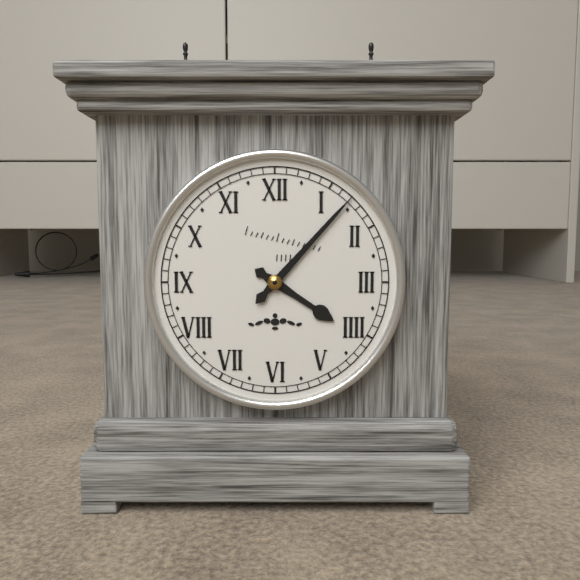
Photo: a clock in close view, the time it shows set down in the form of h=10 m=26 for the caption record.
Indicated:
h=4 m=7
